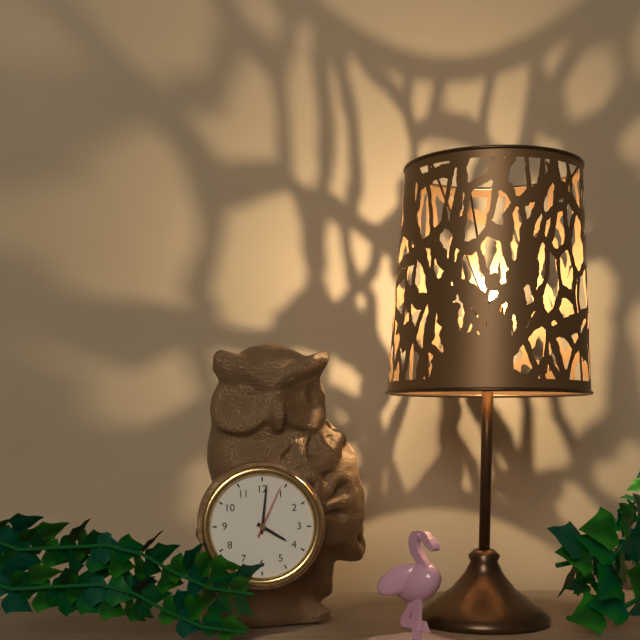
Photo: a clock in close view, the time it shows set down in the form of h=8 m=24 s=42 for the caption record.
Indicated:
h=4 m=1 s=4
